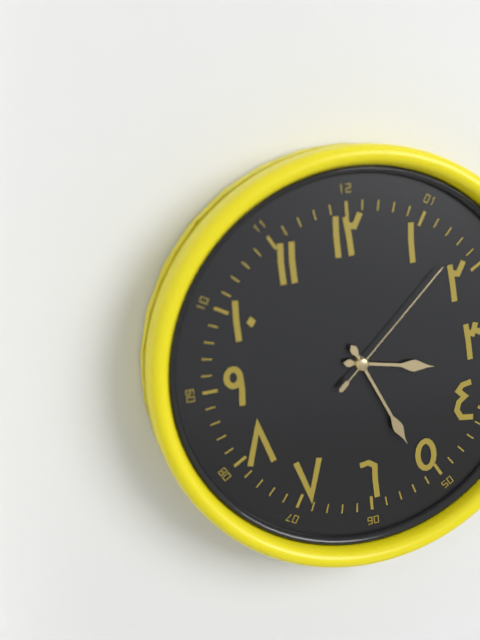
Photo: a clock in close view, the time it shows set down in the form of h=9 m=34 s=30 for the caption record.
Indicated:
h=3 m=26 s=8
